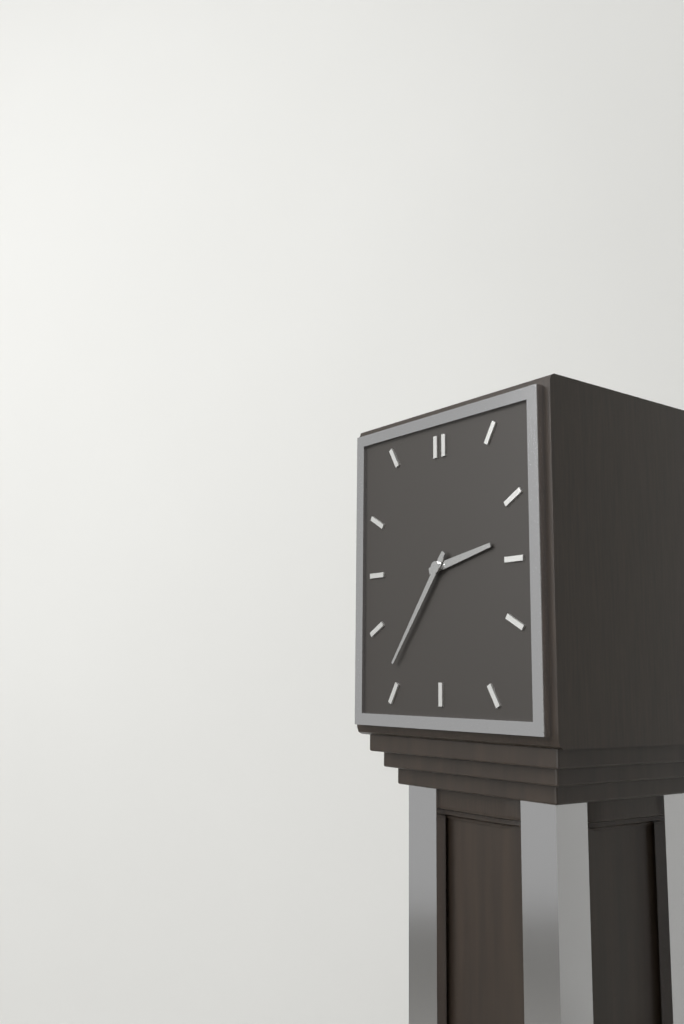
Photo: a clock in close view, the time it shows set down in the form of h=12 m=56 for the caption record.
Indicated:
h=2 m=36
